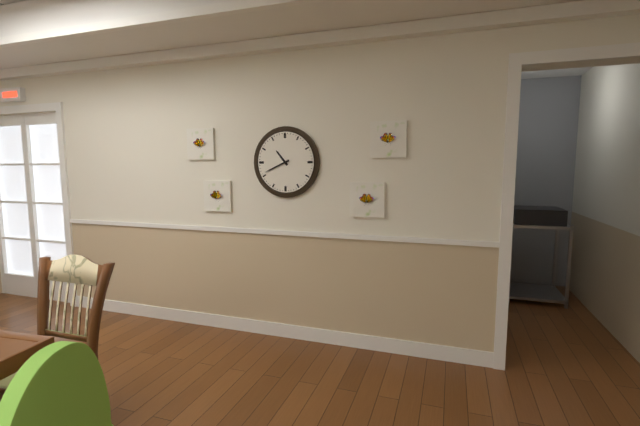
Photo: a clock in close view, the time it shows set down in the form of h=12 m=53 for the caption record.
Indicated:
h=10 m=41
